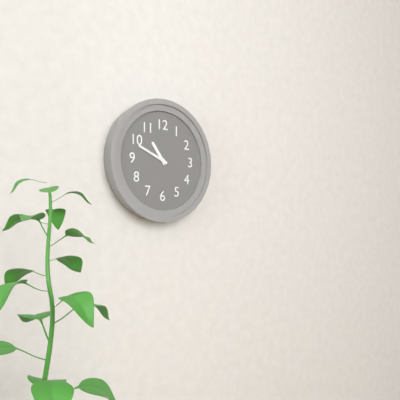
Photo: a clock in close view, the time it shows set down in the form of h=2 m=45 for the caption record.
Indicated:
h=10 m=49
